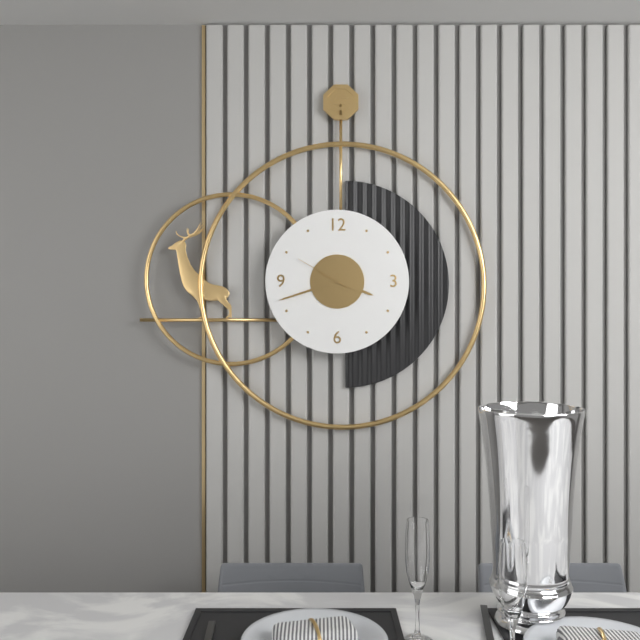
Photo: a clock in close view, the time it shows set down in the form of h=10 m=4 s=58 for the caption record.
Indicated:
h=3 m=42 s=50
